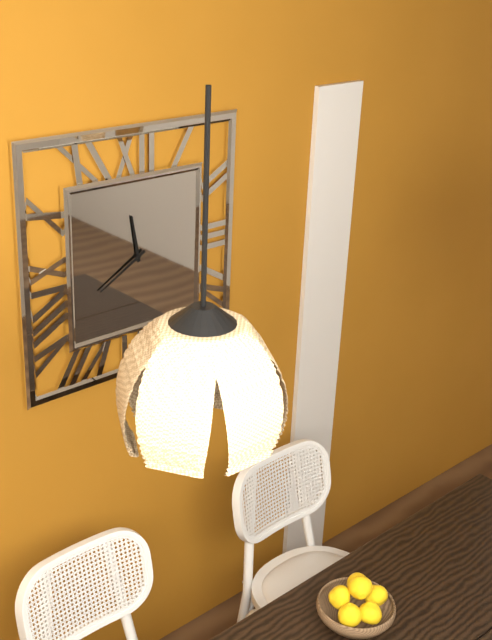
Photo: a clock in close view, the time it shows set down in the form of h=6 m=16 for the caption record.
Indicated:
h=11 m=40
